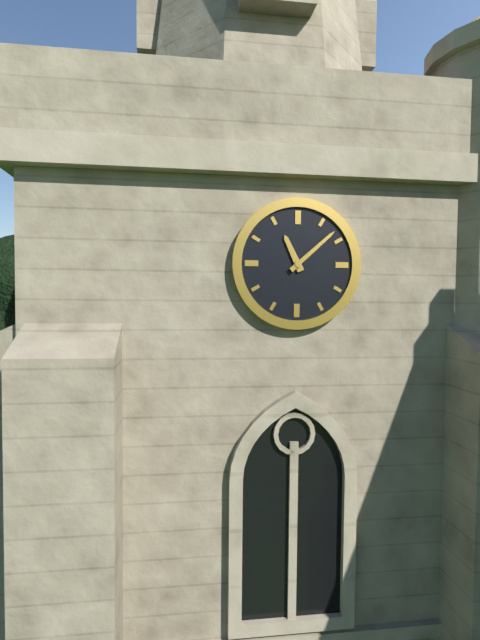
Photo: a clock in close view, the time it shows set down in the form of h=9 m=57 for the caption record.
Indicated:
h=11 m=8
